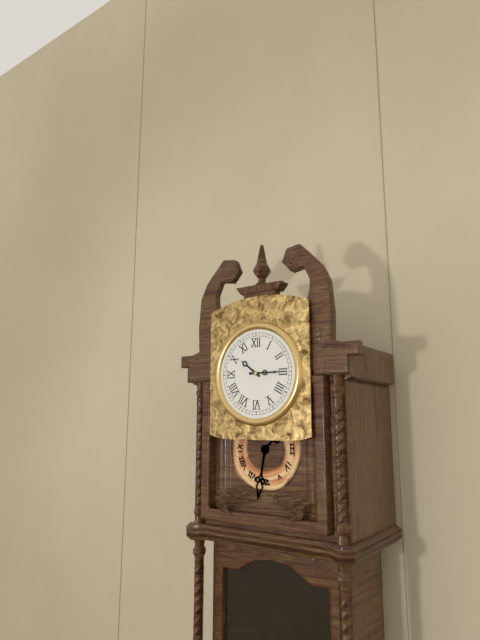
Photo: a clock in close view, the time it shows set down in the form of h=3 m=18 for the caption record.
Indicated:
h=10 m=15
